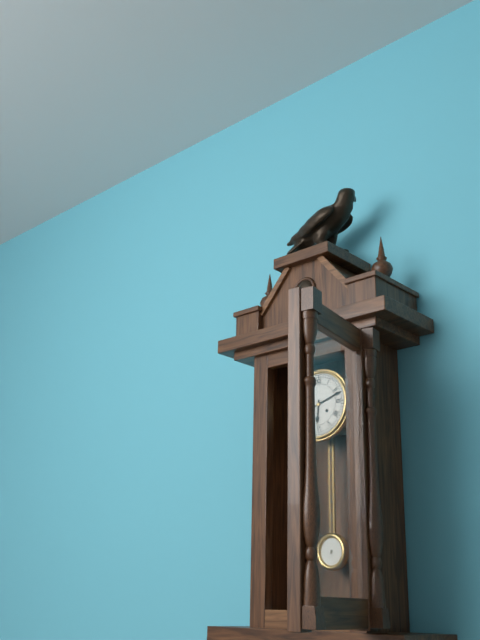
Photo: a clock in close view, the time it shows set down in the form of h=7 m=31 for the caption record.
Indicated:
h=6 m=12
